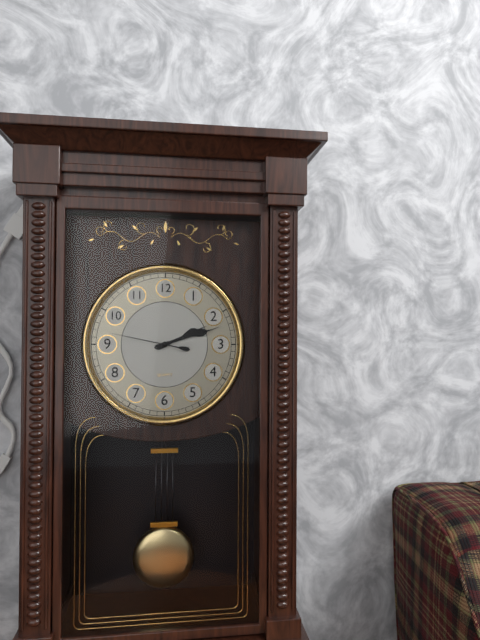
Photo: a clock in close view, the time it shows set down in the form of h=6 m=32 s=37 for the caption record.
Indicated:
h=2 m=12 s=47
